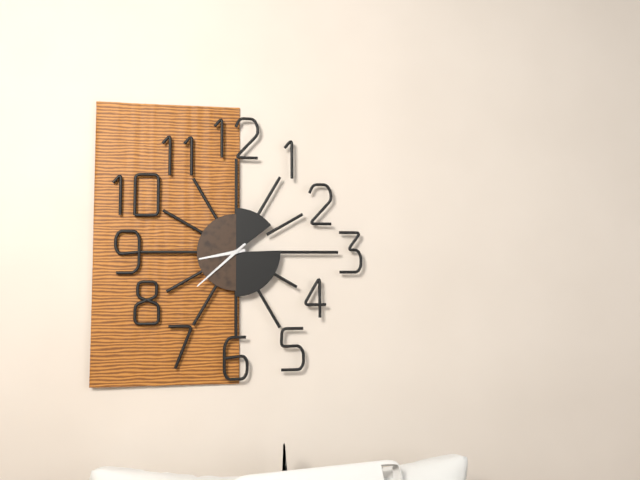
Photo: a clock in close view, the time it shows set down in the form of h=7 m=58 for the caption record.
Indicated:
h=8 m=38
